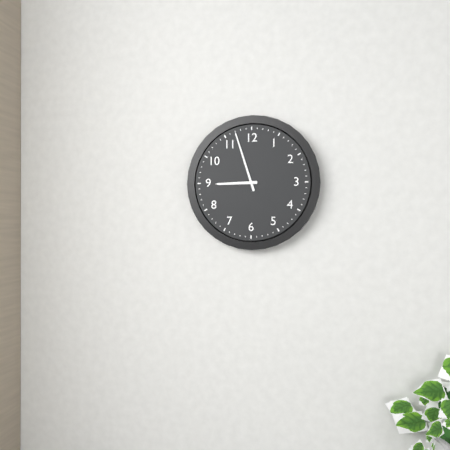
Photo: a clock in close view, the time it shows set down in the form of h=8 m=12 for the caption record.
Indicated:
h=8 m=57
